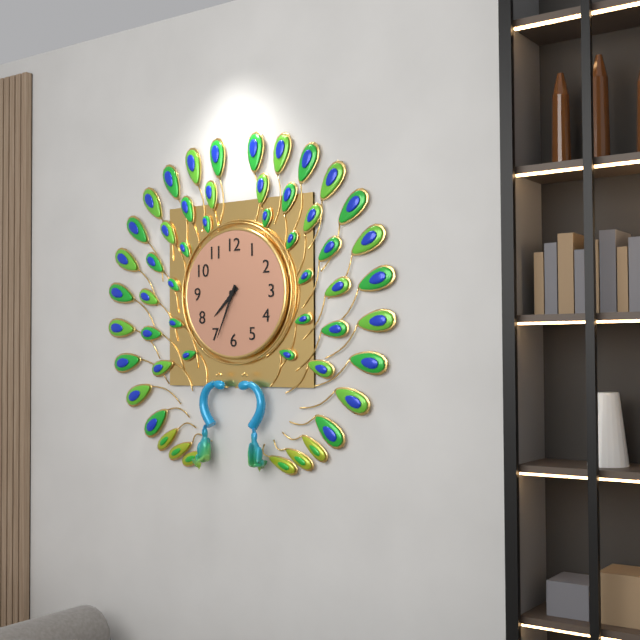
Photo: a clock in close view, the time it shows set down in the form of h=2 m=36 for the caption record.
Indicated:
h=7 m=34
